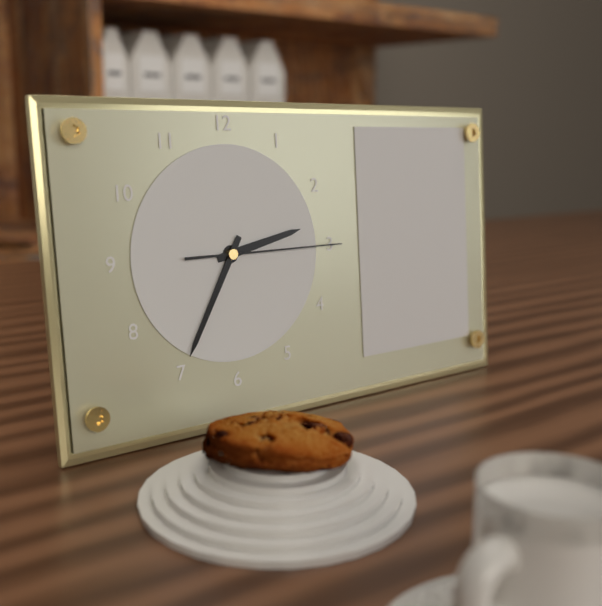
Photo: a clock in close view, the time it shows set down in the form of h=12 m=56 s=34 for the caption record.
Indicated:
h=2 m=35 s=15
